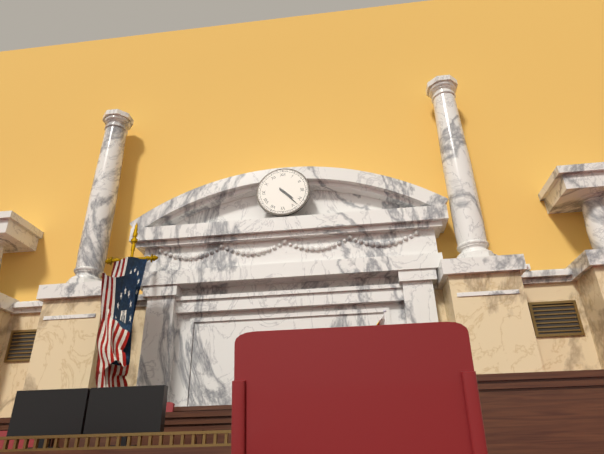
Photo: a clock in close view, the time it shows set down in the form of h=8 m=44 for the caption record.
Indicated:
h=4 m=23
